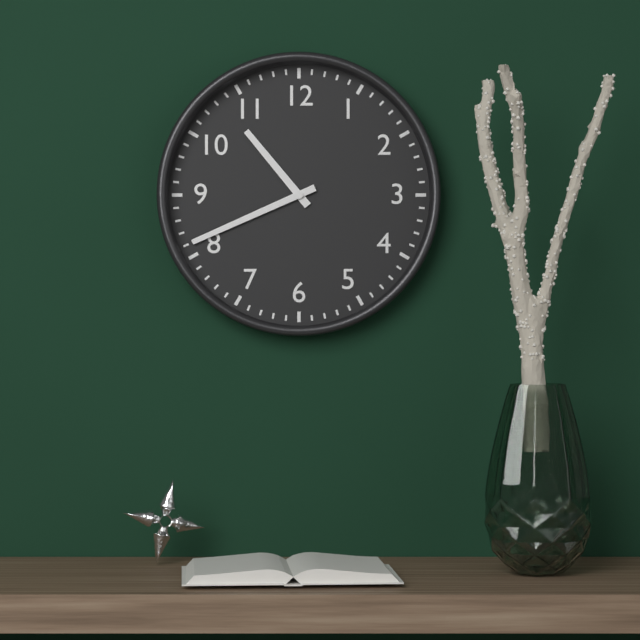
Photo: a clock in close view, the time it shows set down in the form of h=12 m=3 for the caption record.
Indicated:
h=10 m=41
